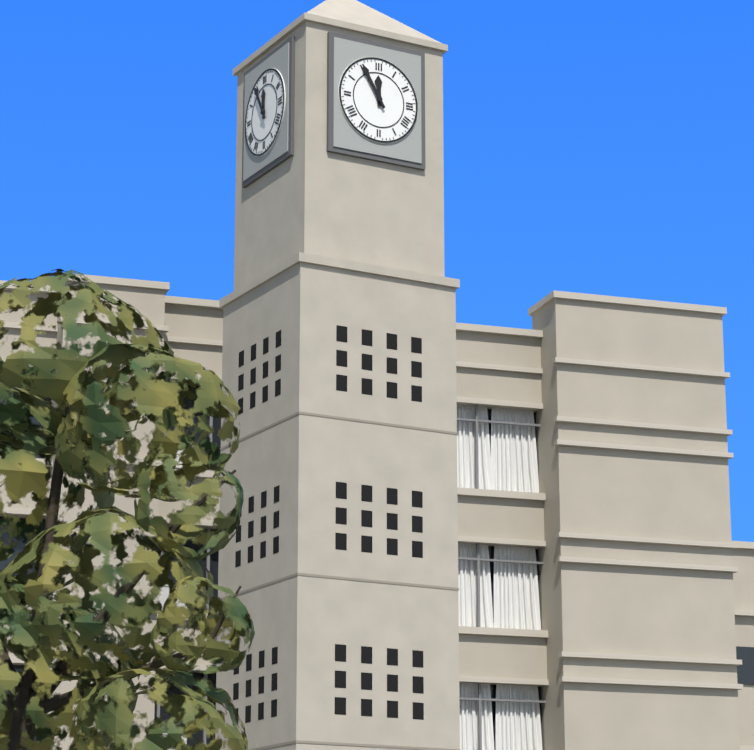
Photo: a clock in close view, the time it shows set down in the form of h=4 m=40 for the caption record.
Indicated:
h=11 m=55
